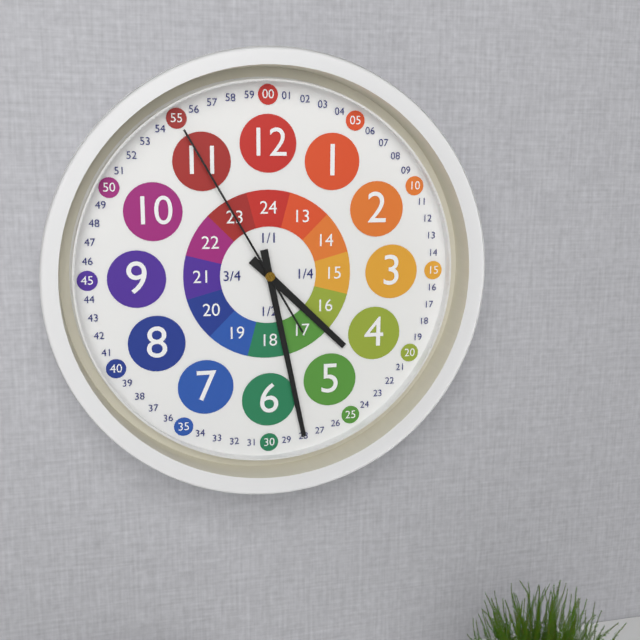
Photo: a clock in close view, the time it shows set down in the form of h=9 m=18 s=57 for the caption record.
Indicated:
h=4 m=28 s=55
